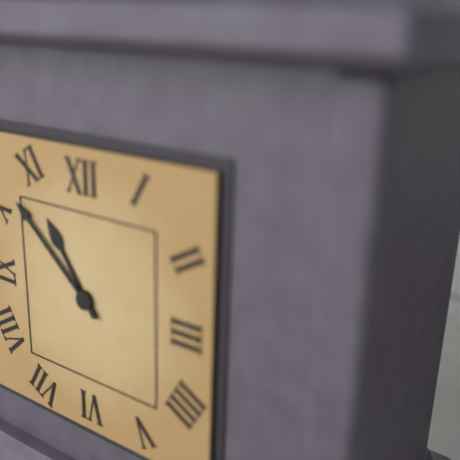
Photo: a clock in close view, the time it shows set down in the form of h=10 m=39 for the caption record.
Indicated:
h=10 m=52
